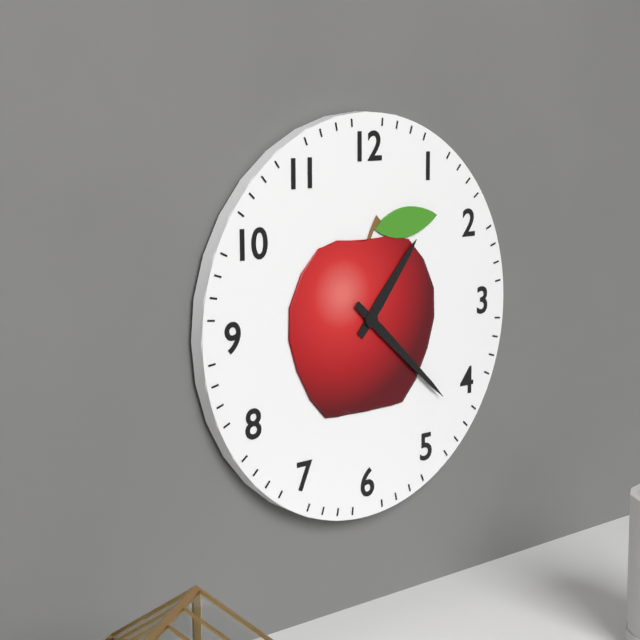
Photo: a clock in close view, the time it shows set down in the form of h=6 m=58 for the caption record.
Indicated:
h=1 m=22
